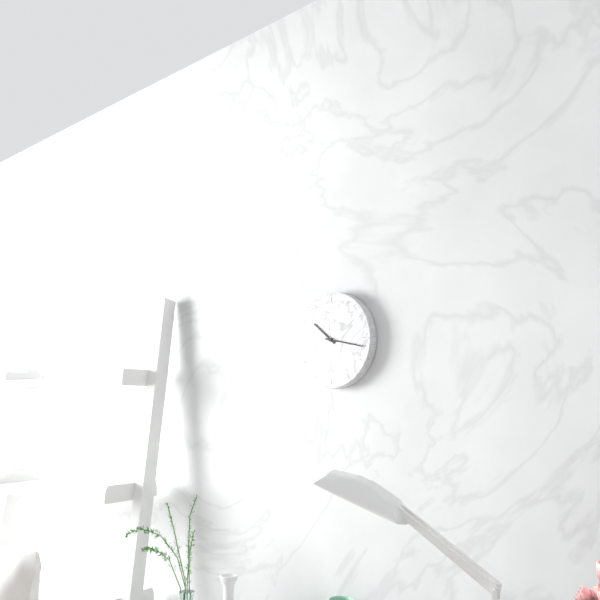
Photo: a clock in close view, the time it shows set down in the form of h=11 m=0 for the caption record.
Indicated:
h=10 m=17
